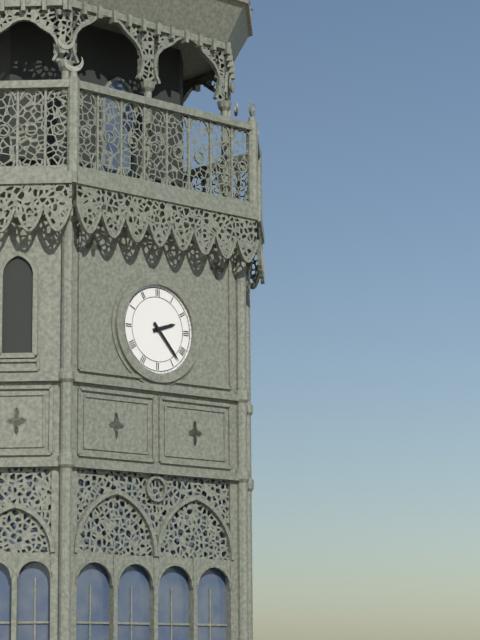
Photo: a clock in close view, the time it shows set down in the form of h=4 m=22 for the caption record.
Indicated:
h=2 m=23
